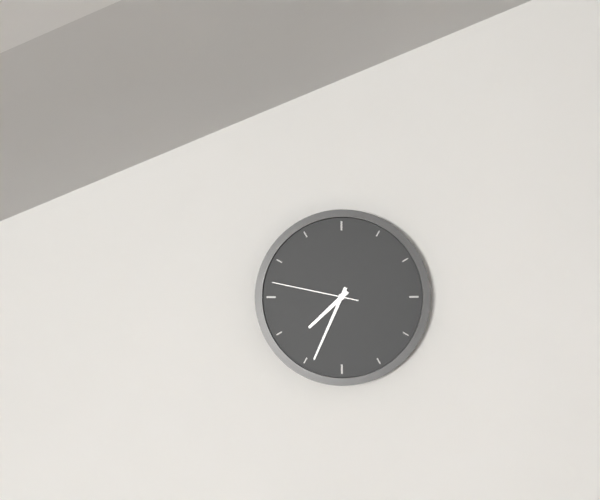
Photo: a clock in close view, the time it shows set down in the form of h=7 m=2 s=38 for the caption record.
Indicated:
h=7 m=34 s=47
